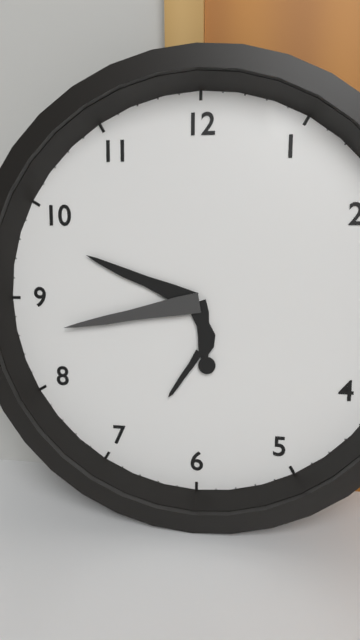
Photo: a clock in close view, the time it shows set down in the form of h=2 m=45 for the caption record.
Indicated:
h=9 m=43
